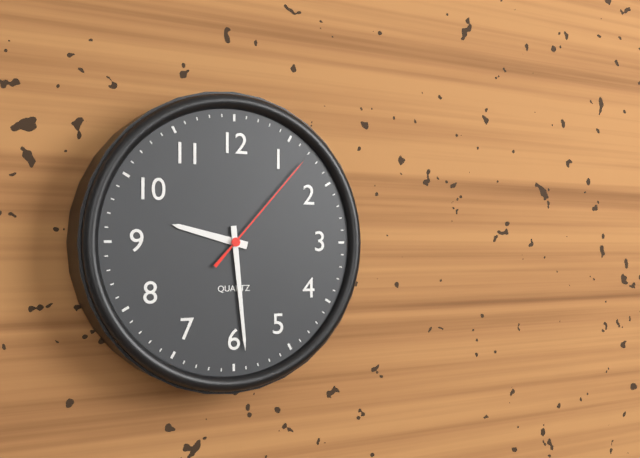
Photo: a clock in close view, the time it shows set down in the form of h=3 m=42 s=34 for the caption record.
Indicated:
h=9 m=29 s=7
